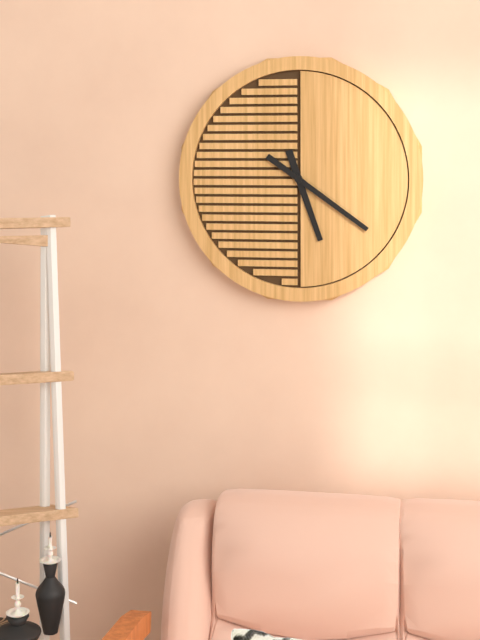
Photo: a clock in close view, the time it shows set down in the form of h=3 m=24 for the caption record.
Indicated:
h=5 m=21
